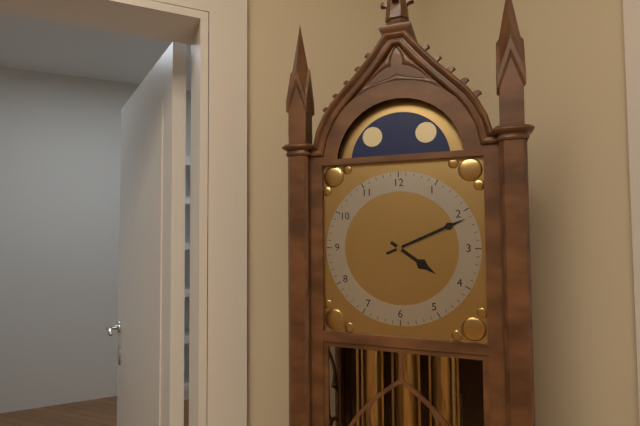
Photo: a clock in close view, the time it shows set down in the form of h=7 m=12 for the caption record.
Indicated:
h=4 m=11
